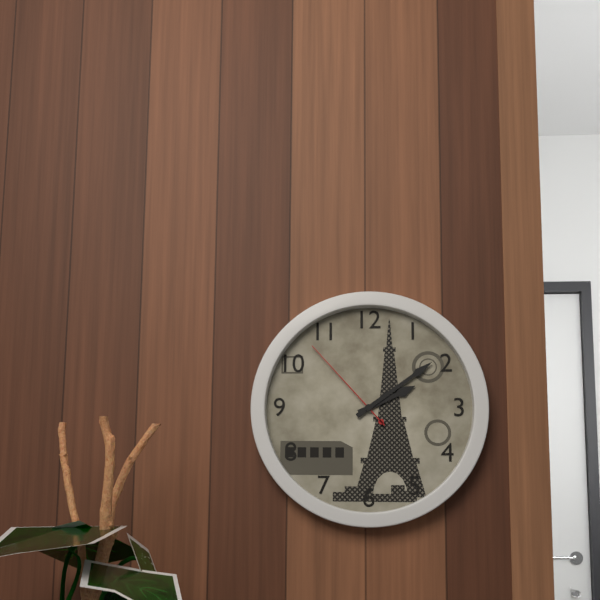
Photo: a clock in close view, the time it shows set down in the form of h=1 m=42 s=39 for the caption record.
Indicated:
h=2 m=9 s=53
